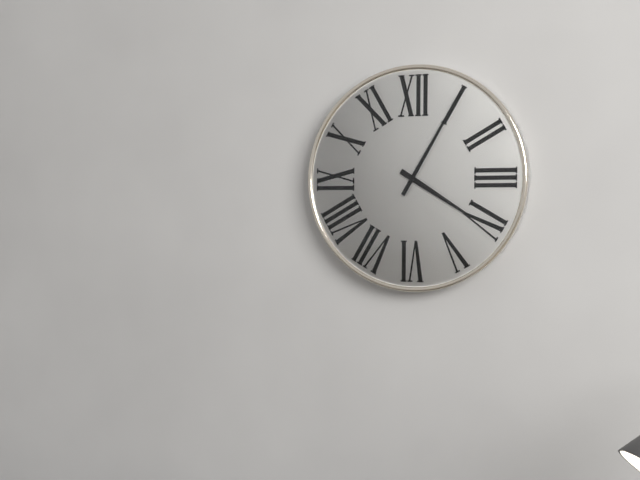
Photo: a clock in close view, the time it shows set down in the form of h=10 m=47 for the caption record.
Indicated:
h=4 m=5
